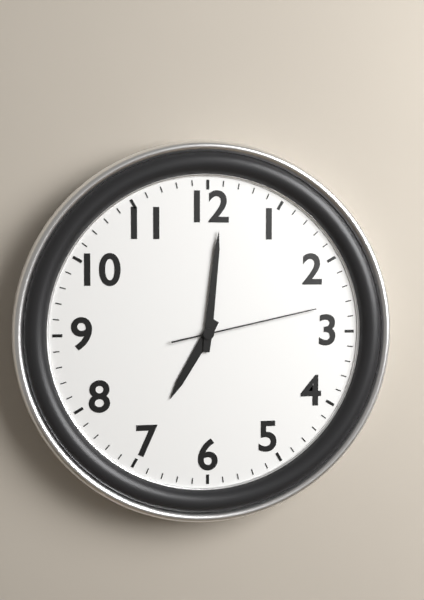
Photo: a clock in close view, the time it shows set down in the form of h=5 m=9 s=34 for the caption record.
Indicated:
h=7 m=1 s=13
